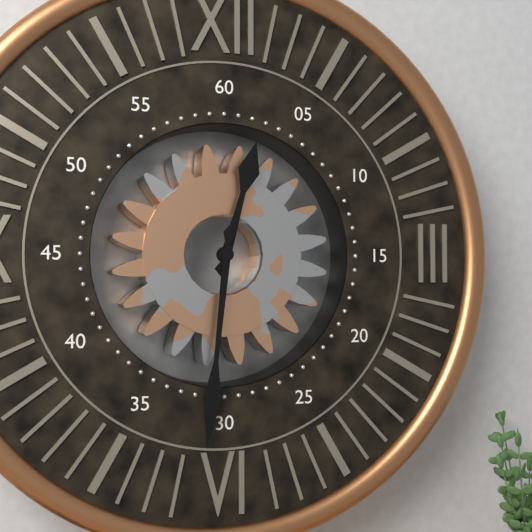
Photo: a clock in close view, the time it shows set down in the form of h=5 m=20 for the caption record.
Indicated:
h=12 m=31
